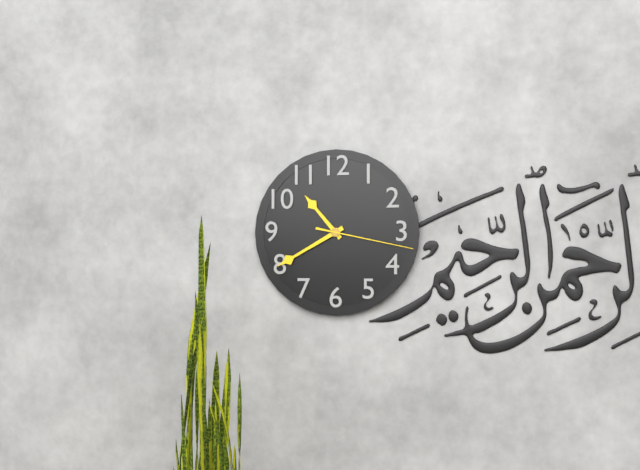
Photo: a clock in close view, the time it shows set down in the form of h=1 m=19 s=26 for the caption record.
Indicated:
h=10 m=40 s=17
